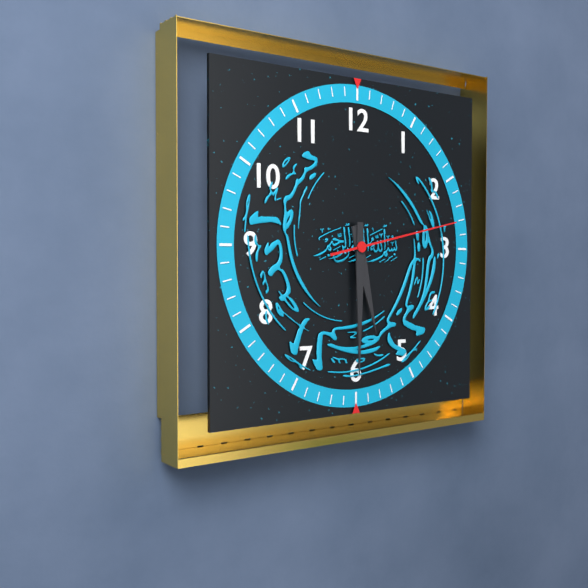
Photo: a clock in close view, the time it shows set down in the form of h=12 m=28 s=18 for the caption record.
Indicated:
h=5 m=30 s=13
